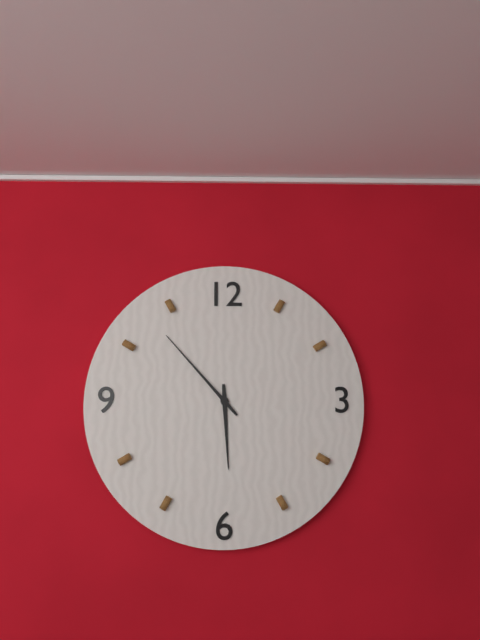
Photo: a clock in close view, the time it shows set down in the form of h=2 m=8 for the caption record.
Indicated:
h=5 m=53
